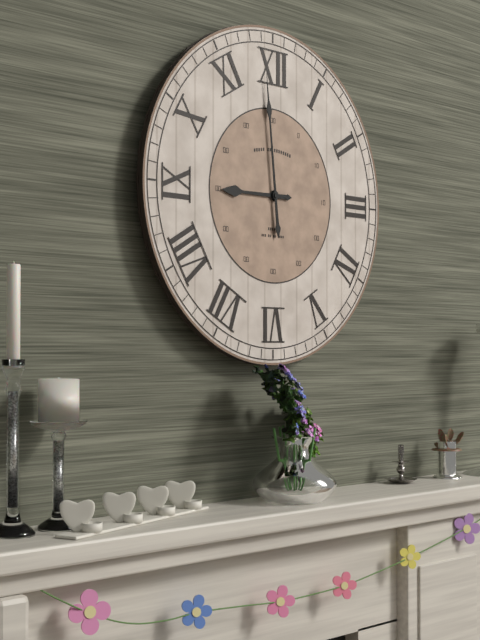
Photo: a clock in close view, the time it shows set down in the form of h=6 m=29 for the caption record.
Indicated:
h=8 m=59
